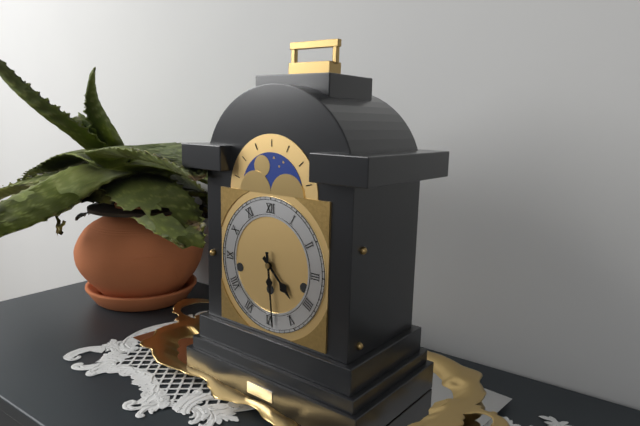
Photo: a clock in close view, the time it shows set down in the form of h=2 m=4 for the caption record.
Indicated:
h=4 m=29
